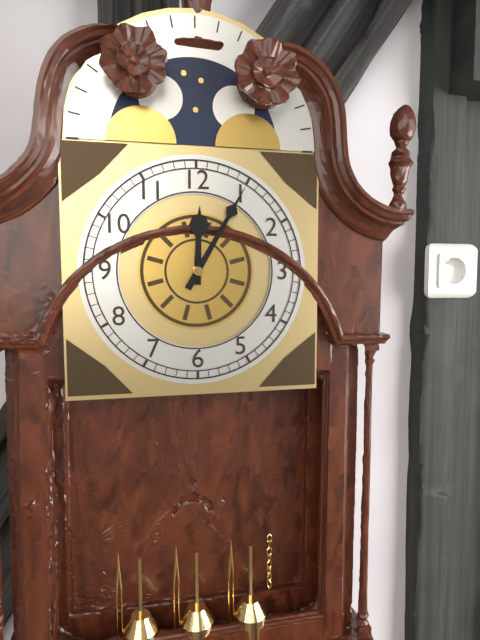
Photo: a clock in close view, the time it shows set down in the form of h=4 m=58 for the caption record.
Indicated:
h=12 m=5
